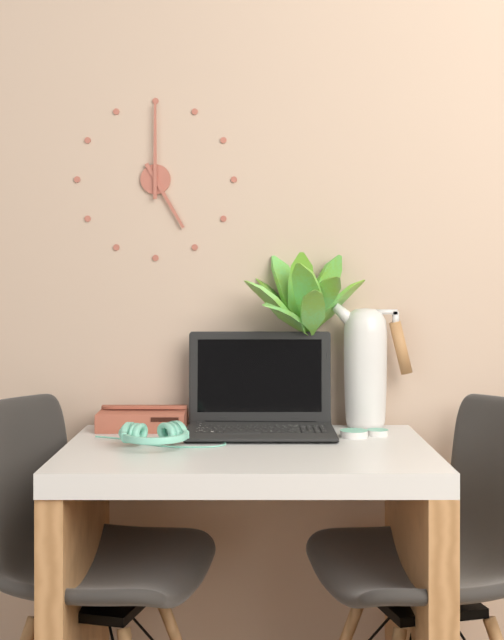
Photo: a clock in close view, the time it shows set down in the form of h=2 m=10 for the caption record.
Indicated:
h=5 m=0
